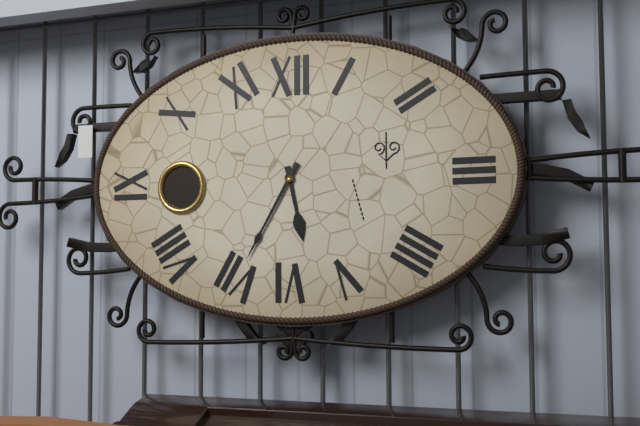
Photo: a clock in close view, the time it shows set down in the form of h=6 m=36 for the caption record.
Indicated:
h=5 m=35
